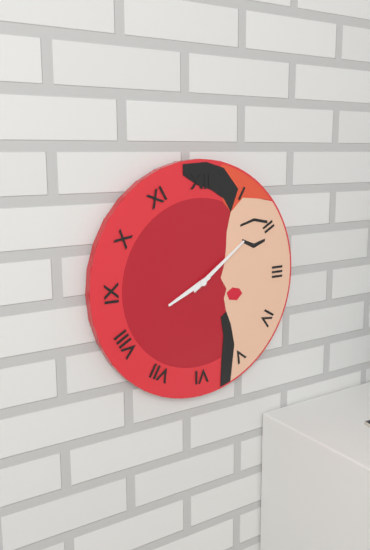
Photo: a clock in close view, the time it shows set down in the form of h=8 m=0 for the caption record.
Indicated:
h=8 m=9
